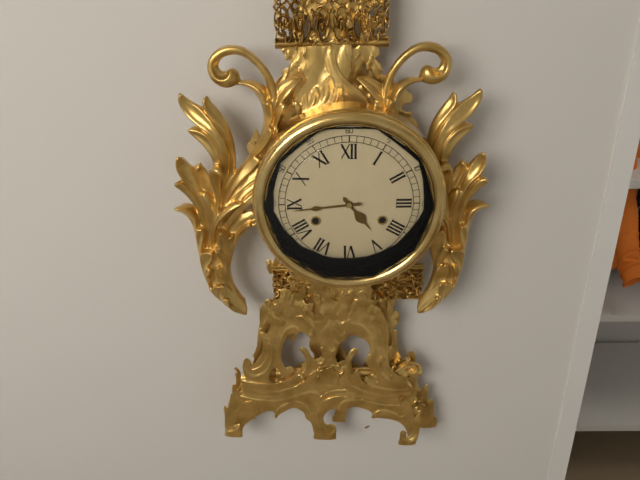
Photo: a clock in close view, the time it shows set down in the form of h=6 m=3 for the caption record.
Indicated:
h=4 m=44
